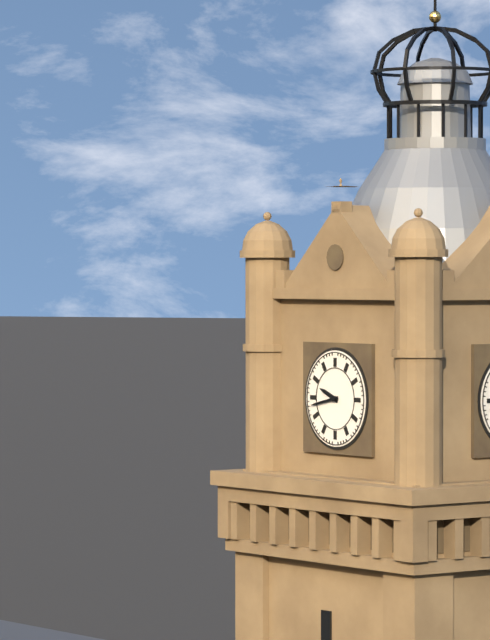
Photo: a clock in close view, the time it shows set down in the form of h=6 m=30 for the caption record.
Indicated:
h=9 m=43
